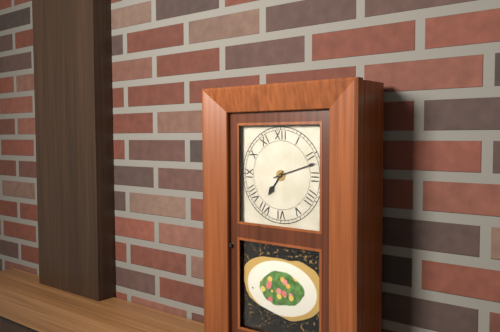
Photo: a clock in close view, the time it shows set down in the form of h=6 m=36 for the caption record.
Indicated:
h=7 m=12
